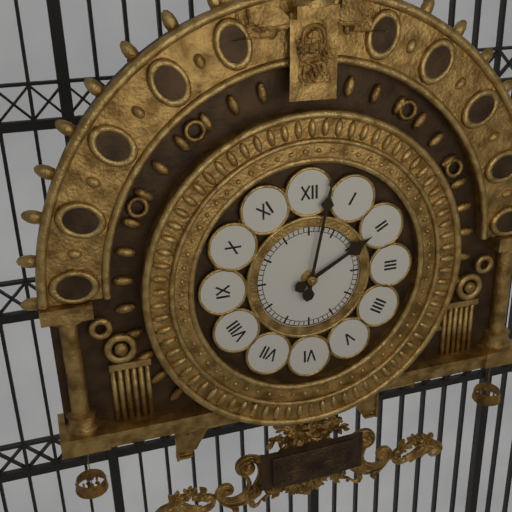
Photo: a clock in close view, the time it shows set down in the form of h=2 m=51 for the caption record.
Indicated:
h=2 m=2
